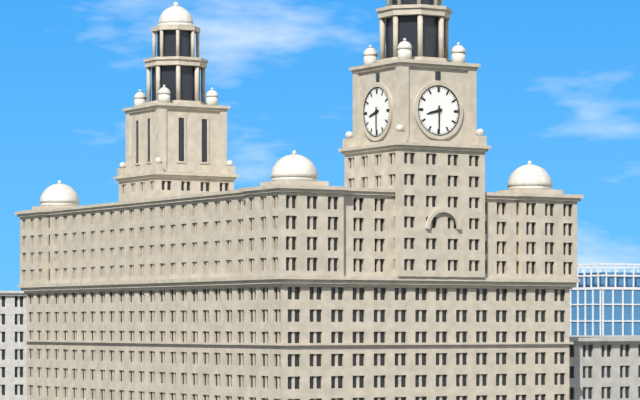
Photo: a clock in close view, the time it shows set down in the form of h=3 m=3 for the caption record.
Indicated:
h=8 m=30
